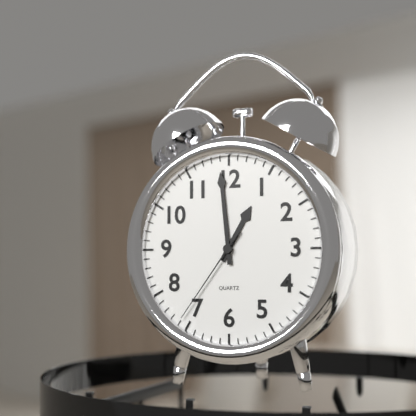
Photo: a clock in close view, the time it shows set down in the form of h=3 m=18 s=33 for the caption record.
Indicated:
h=12 m=59 s=36
